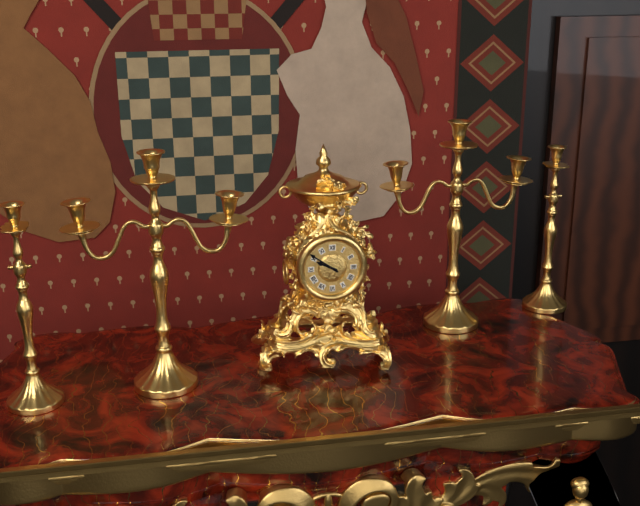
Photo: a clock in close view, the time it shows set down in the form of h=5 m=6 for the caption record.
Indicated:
h=9 m=51
